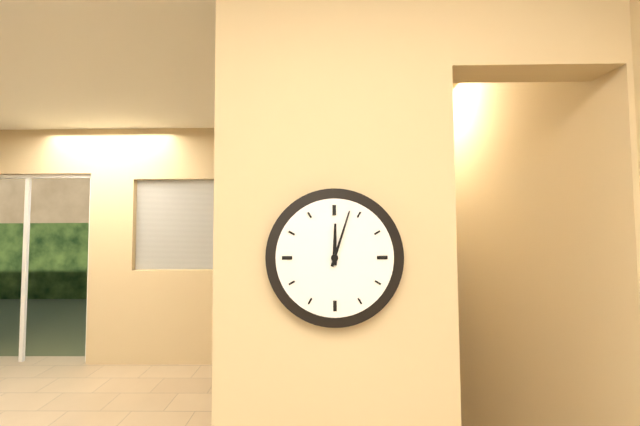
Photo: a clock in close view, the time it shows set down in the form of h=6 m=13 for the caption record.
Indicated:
h=12 m=3
